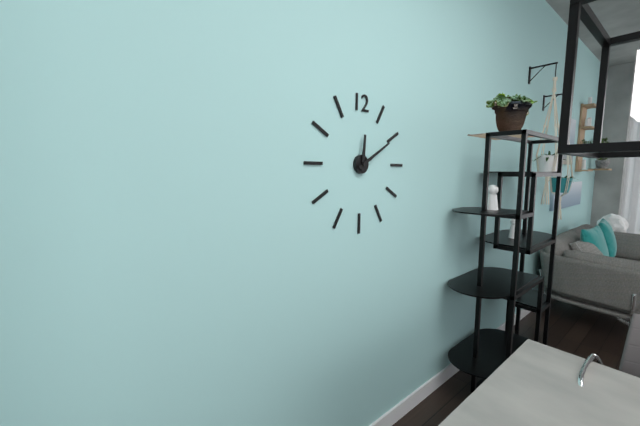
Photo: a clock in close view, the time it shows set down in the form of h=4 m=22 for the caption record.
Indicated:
h=12 m=10
